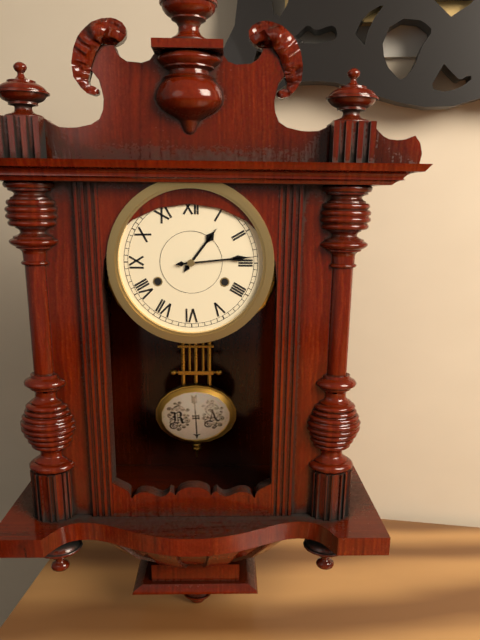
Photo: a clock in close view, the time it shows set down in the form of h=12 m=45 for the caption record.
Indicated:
h=1 m=14
